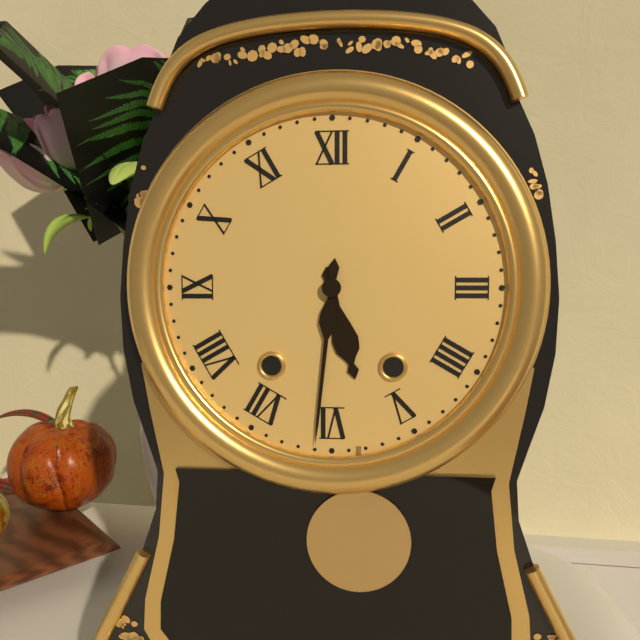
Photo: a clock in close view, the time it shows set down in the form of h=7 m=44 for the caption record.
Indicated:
h=5 m=31
